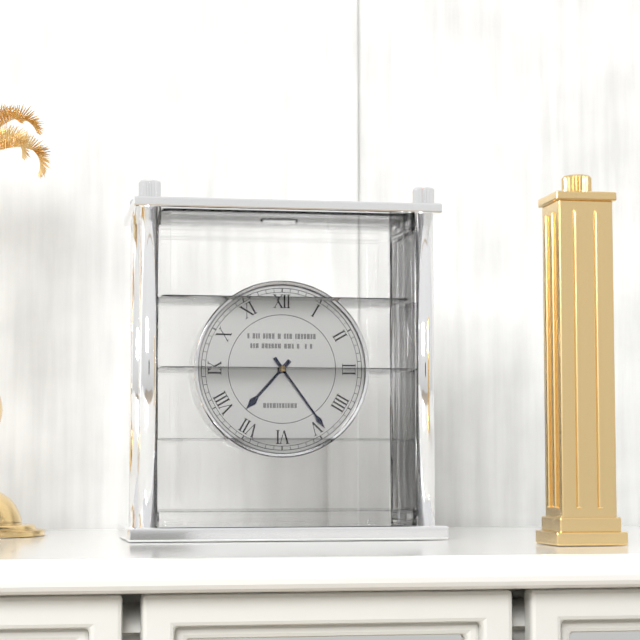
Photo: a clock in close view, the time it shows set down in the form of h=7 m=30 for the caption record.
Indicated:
h=7 m=24
